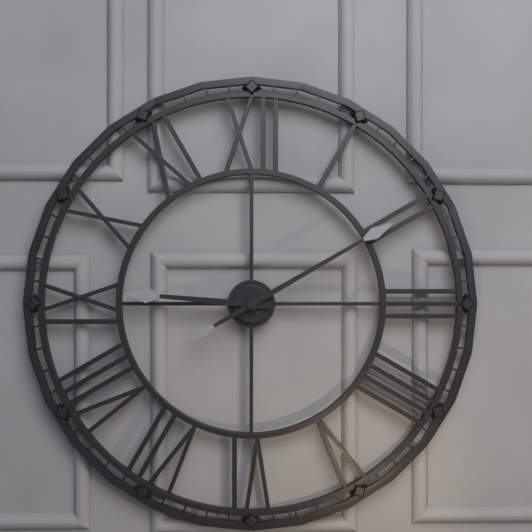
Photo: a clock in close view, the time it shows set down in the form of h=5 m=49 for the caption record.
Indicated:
h=9 m=10
